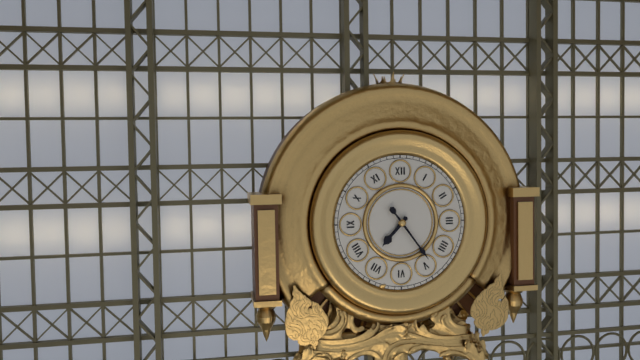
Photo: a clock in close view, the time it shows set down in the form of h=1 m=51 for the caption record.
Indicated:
h=7 m=24
